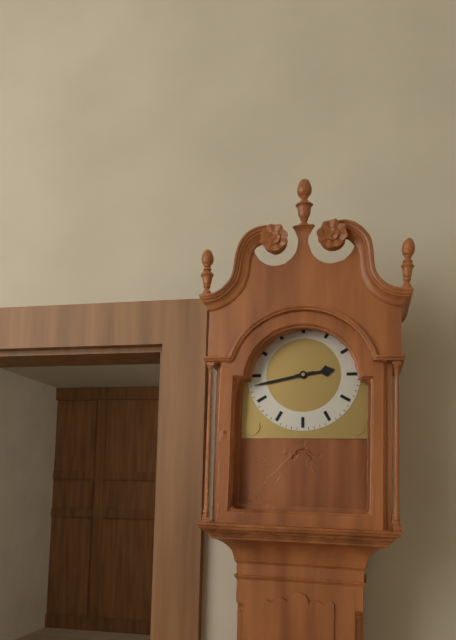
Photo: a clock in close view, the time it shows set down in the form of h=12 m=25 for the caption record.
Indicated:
h=2 m=43
